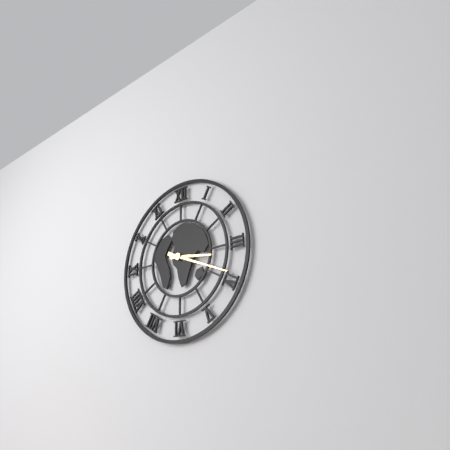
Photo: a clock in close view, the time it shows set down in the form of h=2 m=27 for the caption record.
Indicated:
h=3 m=19
